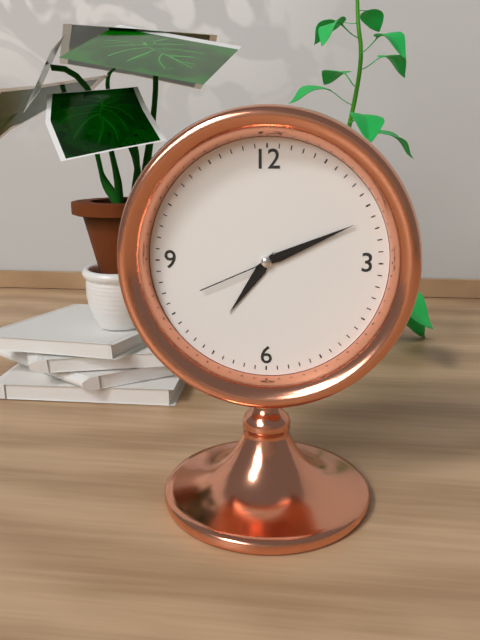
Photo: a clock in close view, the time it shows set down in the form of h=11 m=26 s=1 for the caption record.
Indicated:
h=7 m=11 s=41
